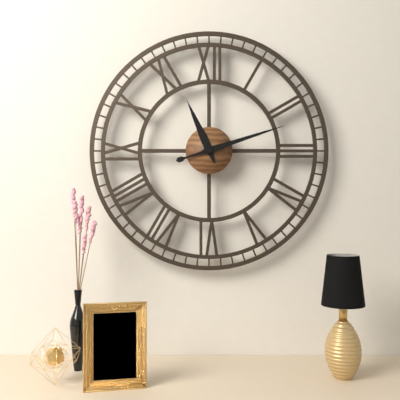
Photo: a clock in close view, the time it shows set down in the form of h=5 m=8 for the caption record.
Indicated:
h=11 m=12
